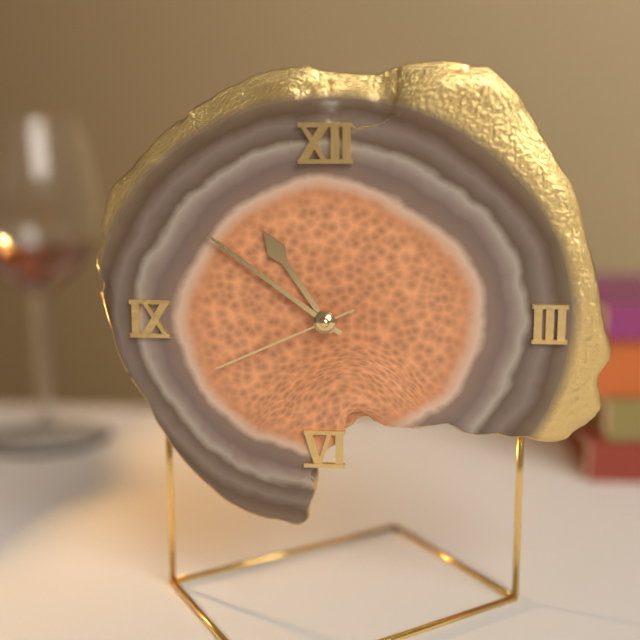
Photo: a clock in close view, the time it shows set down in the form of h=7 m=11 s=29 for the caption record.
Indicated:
h=10 m=51 s=41
